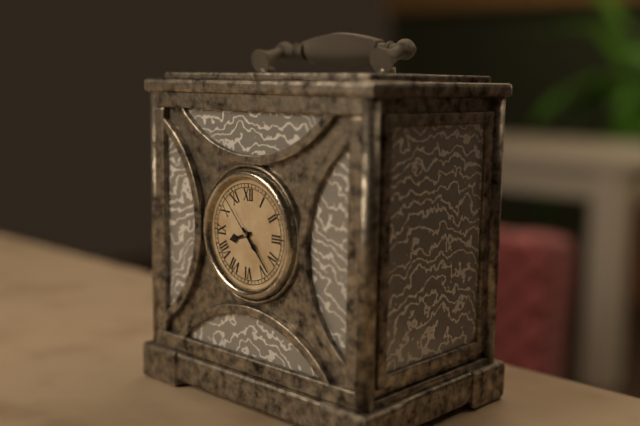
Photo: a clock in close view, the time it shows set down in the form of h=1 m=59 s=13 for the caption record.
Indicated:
h=8 m=23 s=53
